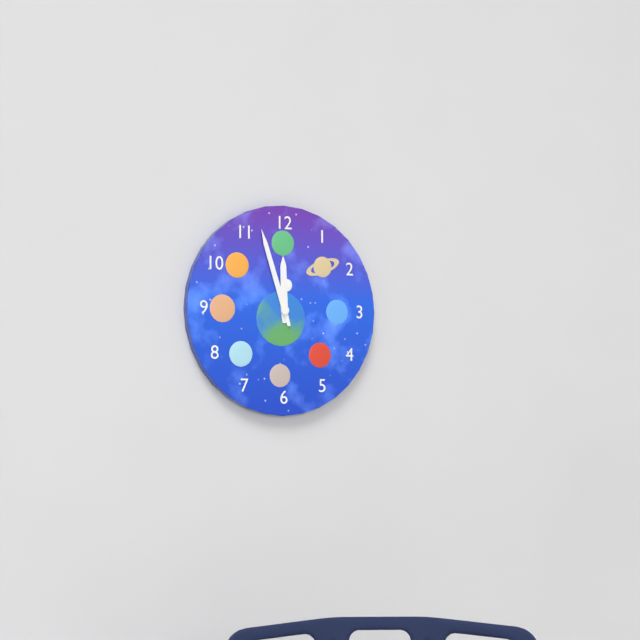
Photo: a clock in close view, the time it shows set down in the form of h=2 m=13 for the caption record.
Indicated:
h=11 m=57
